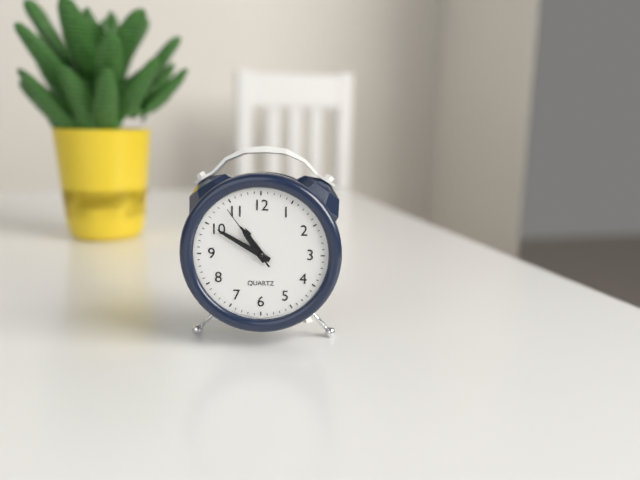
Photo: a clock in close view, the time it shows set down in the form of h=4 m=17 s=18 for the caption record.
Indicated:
h=10 m=50 s=54
